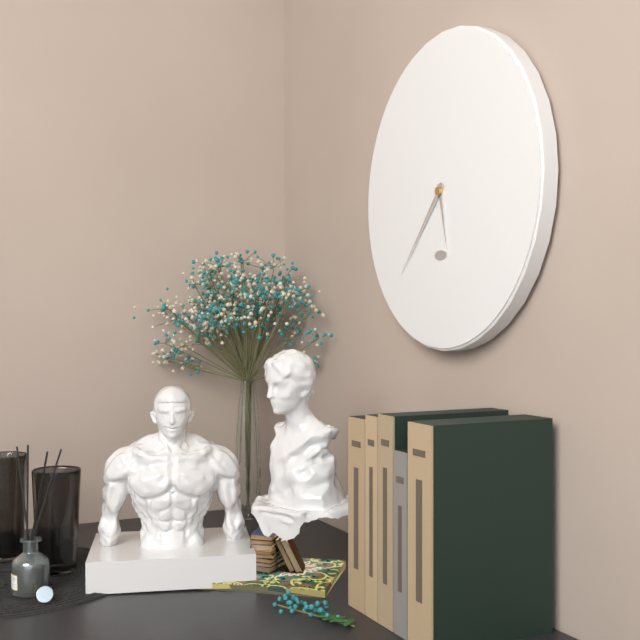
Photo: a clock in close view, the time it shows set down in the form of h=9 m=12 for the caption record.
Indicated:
h=5 m=37
